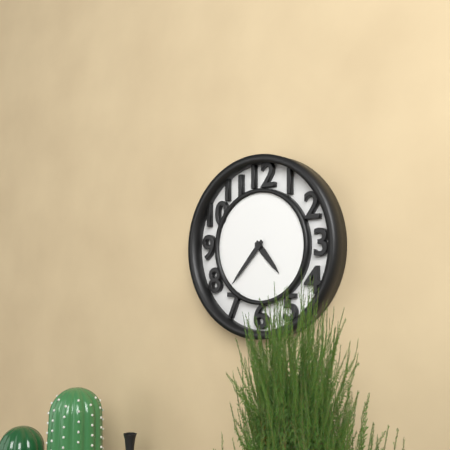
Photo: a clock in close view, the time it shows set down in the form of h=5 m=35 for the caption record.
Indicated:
h=4 m=37
